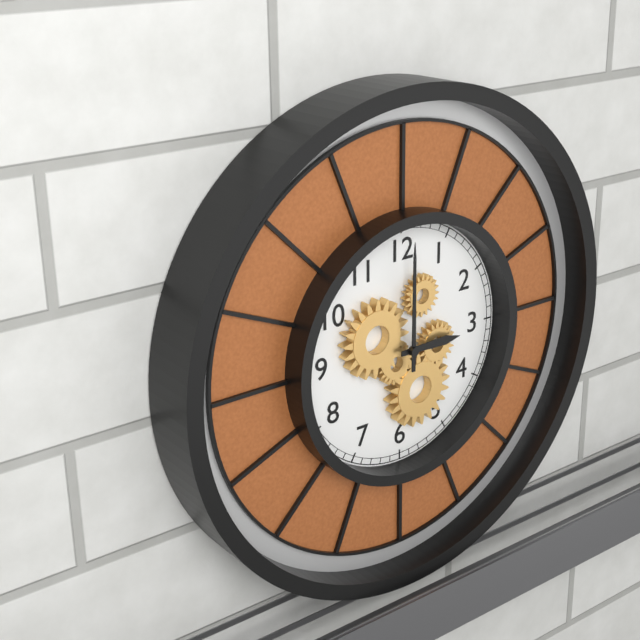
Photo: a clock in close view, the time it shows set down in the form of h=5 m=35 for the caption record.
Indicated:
h=3 m=0
